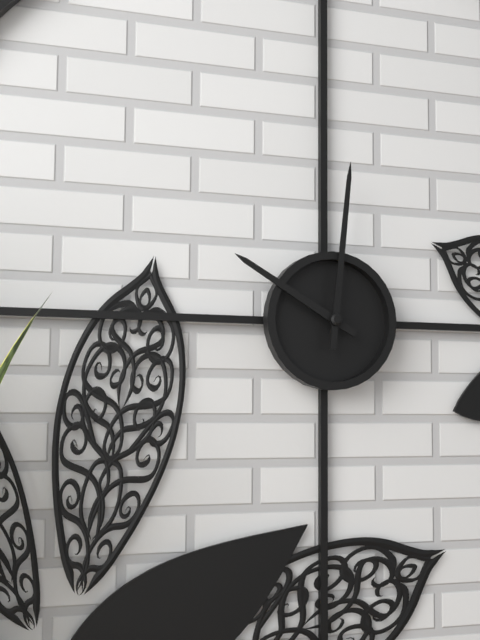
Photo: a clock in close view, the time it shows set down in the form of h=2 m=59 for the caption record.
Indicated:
h=10 m=1
